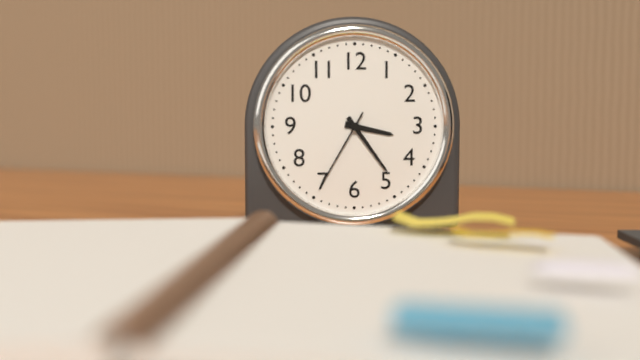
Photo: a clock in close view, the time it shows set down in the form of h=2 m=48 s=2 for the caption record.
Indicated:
h=3 m=24 s=35
